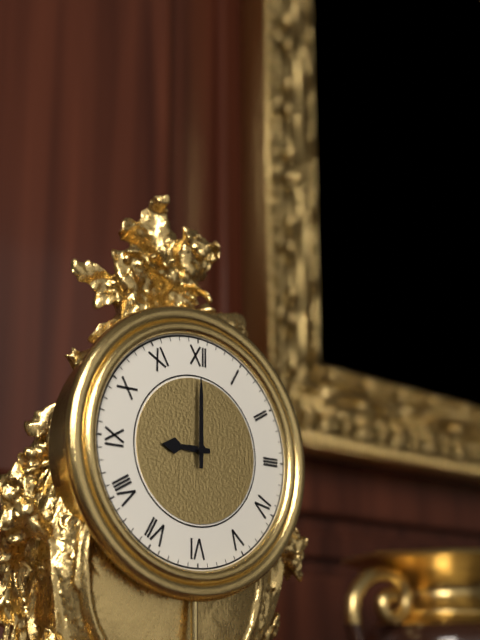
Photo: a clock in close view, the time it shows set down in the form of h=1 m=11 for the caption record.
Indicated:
h=9 m=0
